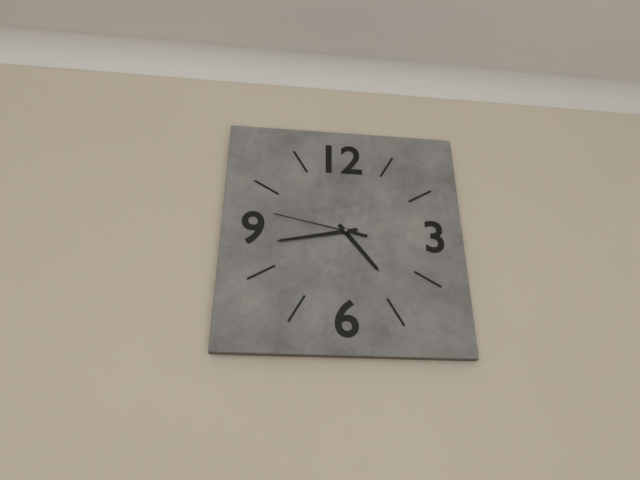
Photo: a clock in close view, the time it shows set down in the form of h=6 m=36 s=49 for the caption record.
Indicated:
h=4 m=43 s=47
